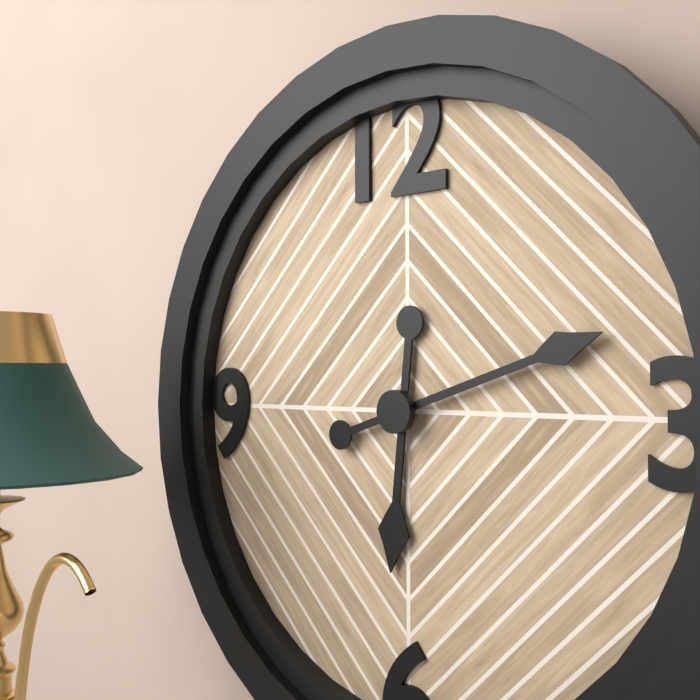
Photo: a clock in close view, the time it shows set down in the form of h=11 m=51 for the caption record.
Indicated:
h=6 m=12
